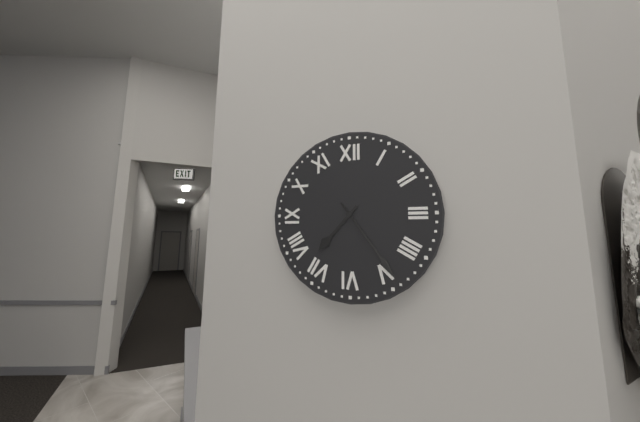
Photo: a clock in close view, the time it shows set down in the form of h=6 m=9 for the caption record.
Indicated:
h=7 m=24
